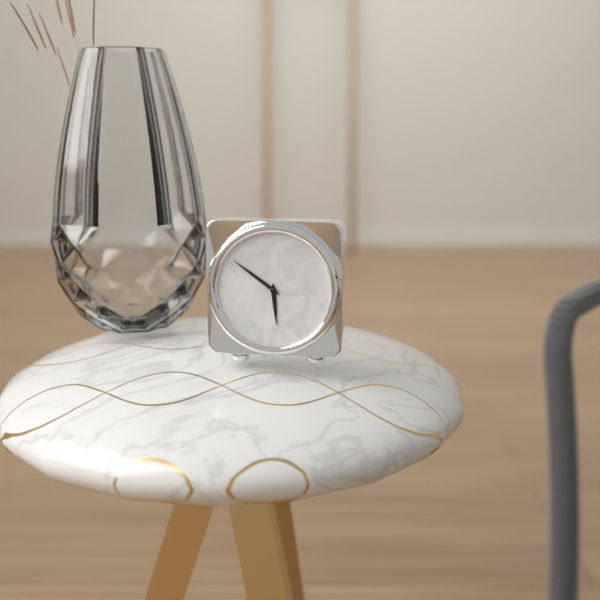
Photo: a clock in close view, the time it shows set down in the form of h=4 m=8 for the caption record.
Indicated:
h=5 m=51
